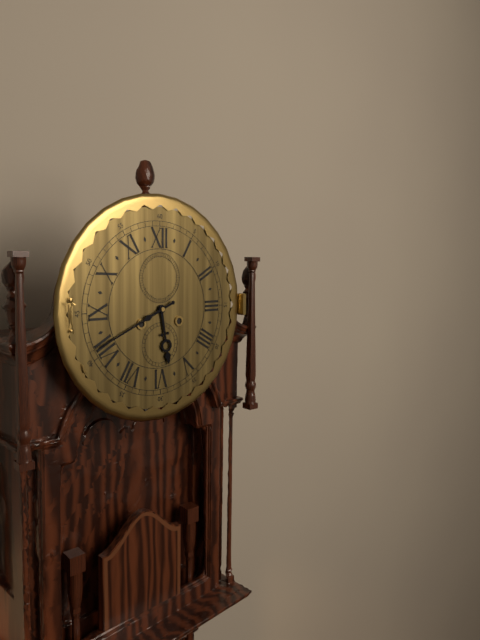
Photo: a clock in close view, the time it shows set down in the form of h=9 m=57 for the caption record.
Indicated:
h=5 m=41
